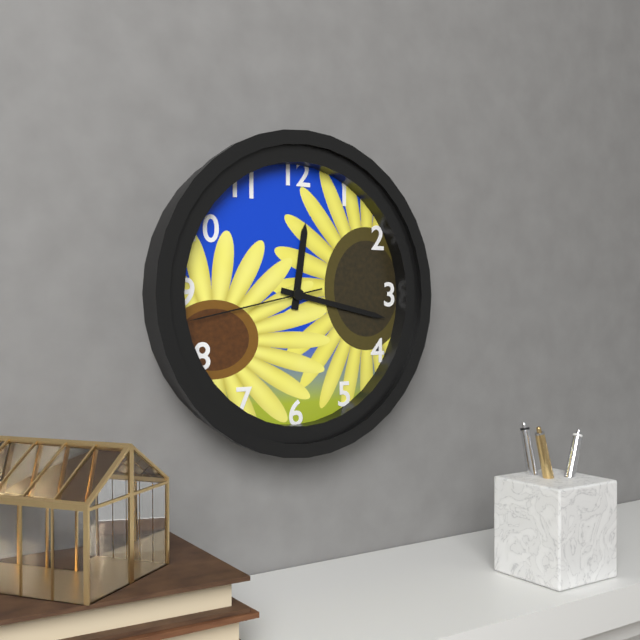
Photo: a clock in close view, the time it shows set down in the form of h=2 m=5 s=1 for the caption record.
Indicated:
h=12 m=17 s=43
